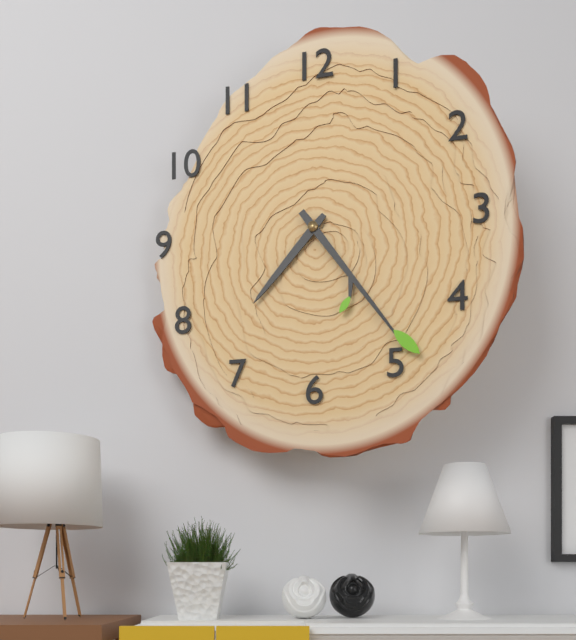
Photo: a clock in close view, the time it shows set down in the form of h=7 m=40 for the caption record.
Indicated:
h=7 m=24
